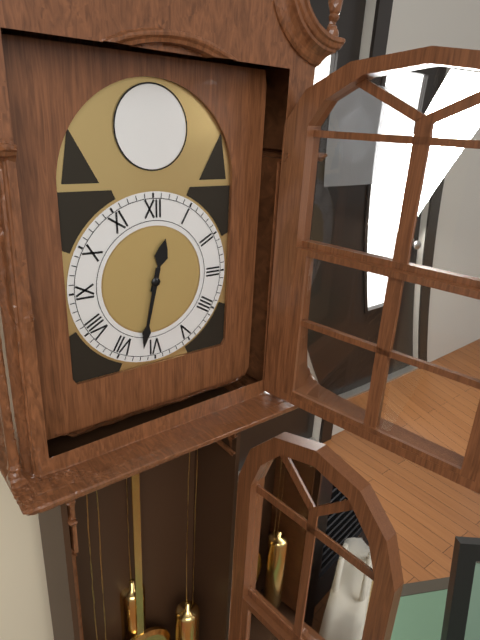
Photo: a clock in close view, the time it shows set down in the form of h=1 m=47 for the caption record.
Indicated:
h=12 m=32
